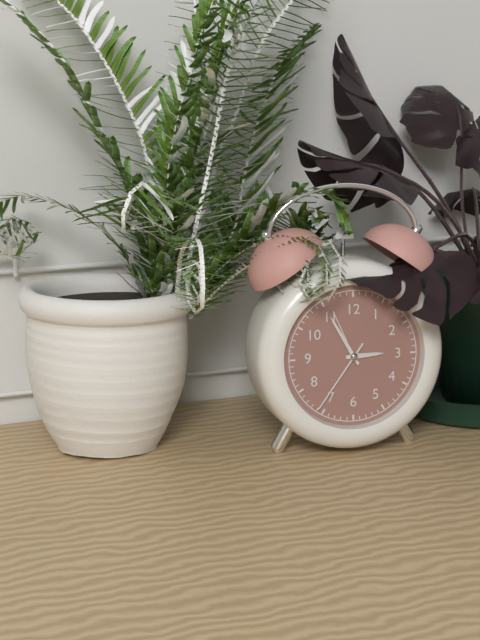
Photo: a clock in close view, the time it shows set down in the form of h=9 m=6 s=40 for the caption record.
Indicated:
h=2 m=55 s=36
